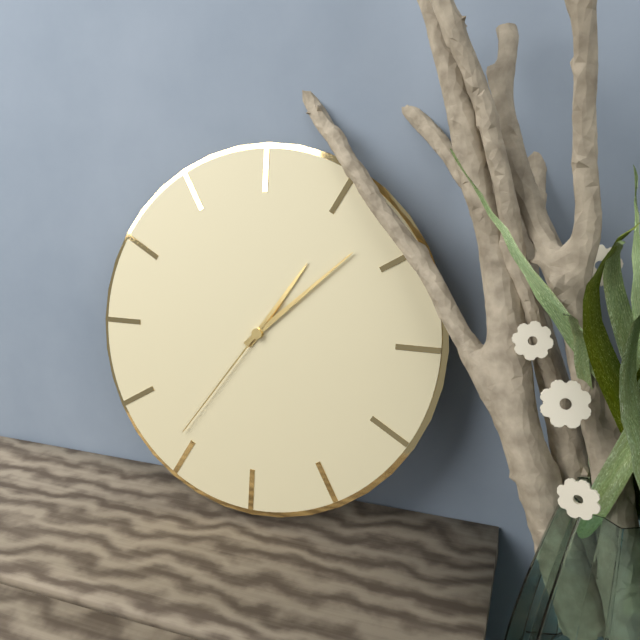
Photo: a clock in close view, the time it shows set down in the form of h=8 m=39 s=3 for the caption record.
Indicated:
h=1 m=8 s=36
